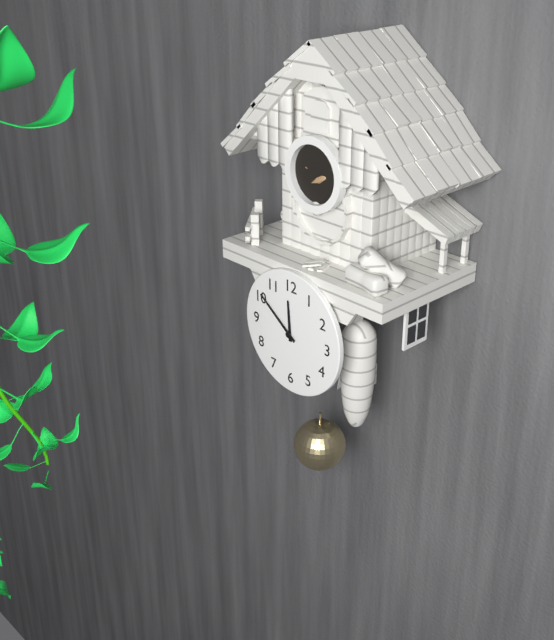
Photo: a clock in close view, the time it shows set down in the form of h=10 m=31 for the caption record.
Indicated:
h=11 m=51
